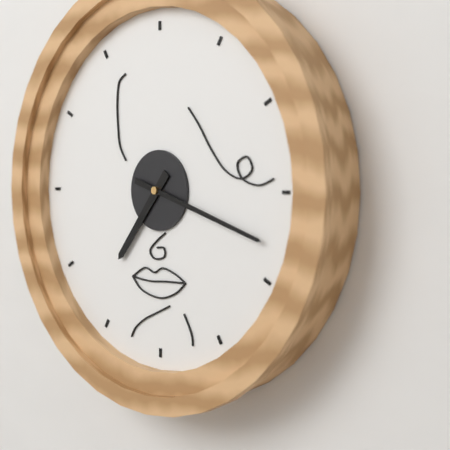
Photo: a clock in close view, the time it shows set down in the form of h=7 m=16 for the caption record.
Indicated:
h=7 m=18
